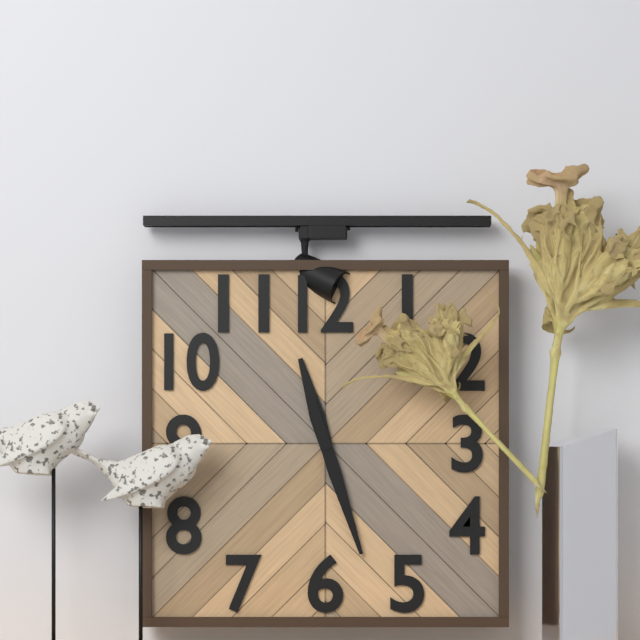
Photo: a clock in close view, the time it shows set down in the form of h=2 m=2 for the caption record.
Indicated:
h=11 m=27
